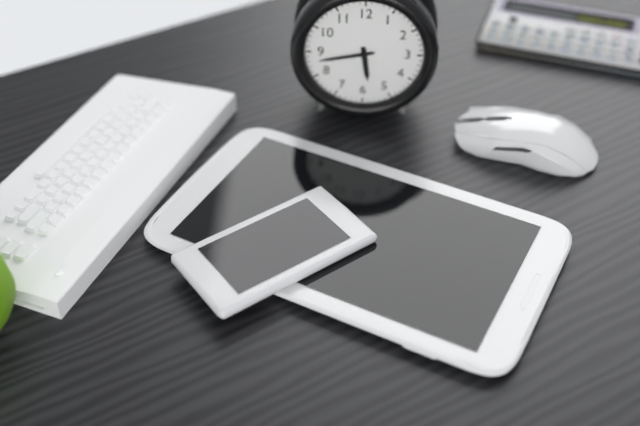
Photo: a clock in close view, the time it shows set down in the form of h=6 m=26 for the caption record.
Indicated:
h=5 m=43
